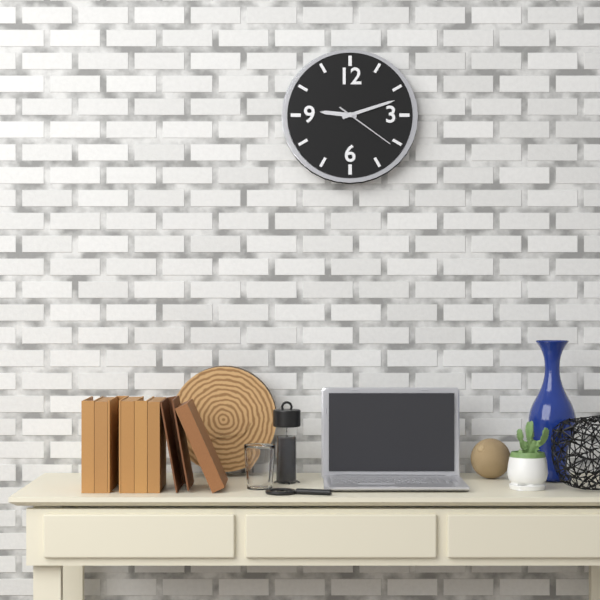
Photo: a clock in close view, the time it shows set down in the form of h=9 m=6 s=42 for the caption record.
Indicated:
h=9 m=12 s=21
